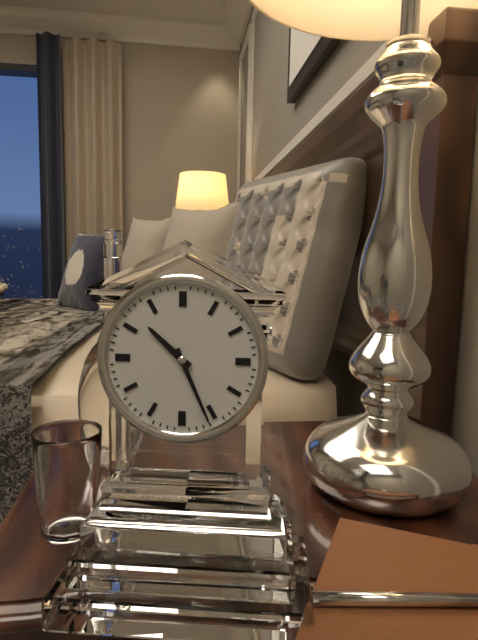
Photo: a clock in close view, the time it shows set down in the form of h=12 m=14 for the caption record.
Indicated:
h=10 m=26
